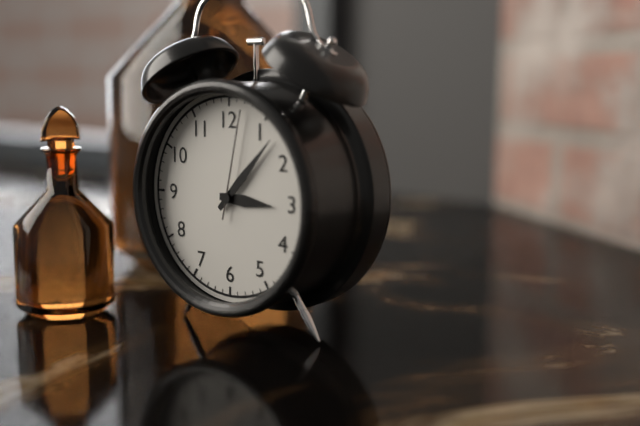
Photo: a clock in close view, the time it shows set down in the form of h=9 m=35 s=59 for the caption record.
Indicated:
h=3 m=7 s=2
